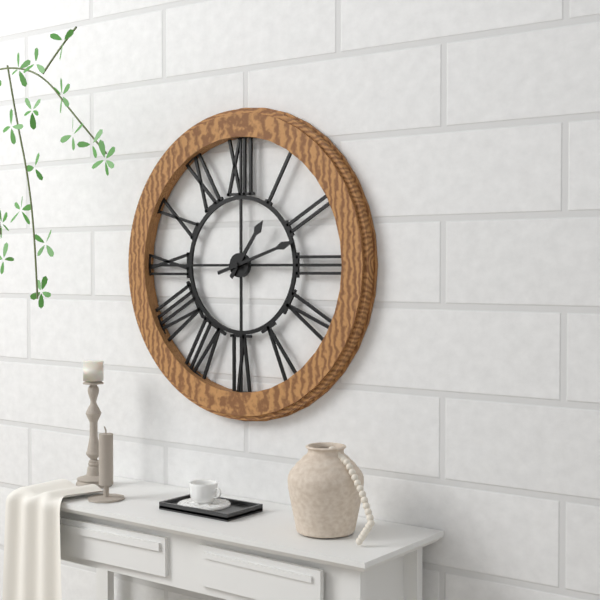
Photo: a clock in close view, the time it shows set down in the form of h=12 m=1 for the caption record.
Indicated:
h=1 m=12
